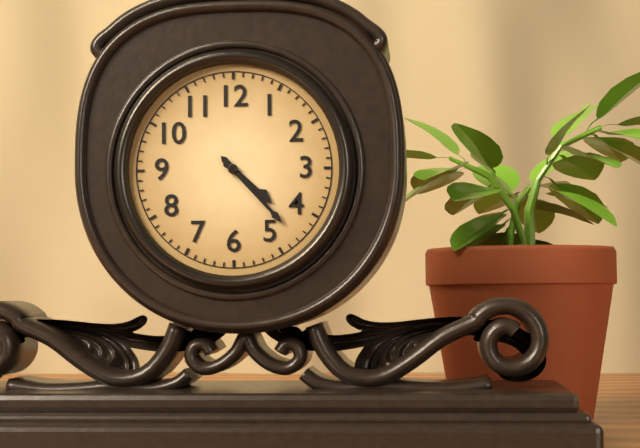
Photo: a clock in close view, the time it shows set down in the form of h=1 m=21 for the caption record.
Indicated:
h=4 m=23
